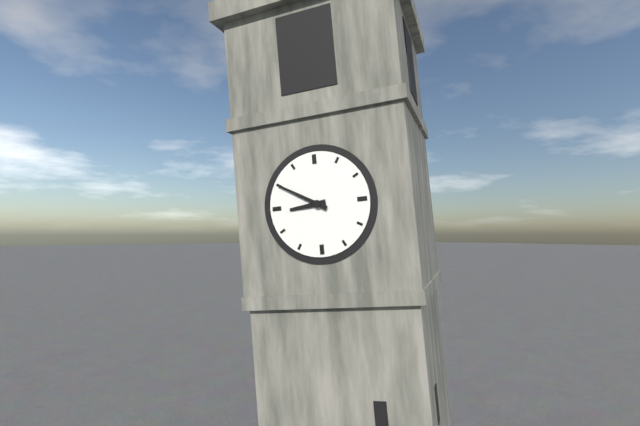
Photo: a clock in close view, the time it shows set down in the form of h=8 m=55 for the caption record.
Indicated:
h=8 m=50
